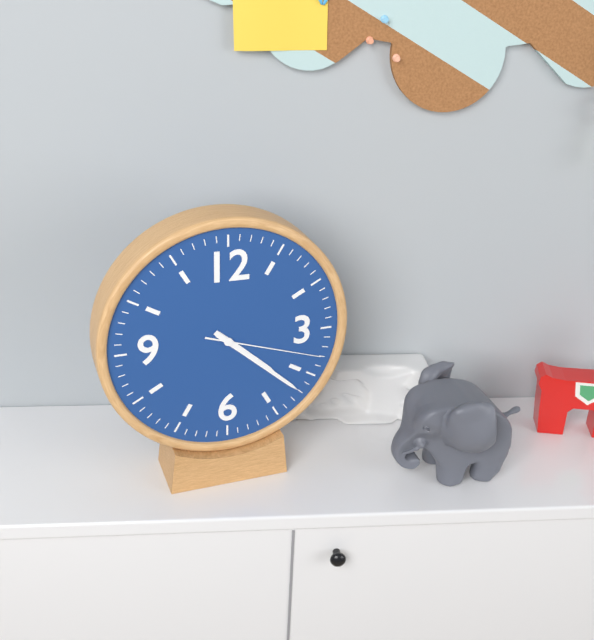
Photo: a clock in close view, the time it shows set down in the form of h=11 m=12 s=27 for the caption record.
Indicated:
h=4 m=22 s=18
